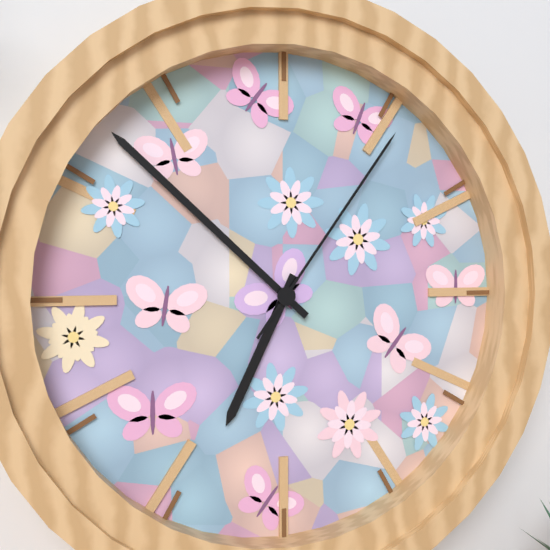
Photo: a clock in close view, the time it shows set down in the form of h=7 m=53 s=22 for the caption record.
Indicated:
h=6 m=52 s=6
